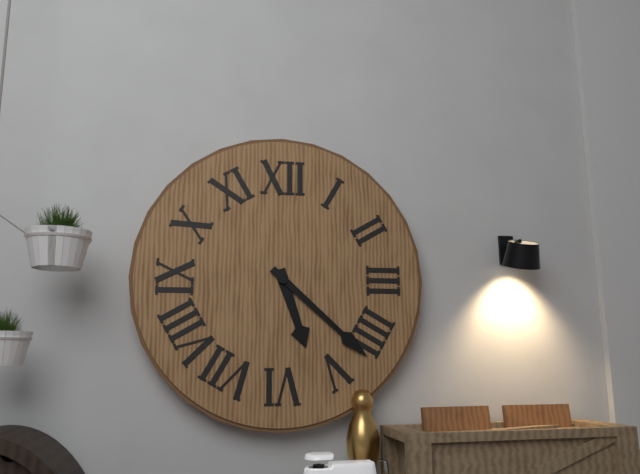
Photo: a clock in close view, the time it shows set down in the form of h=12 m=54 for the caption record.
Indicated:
h=5 m=22
